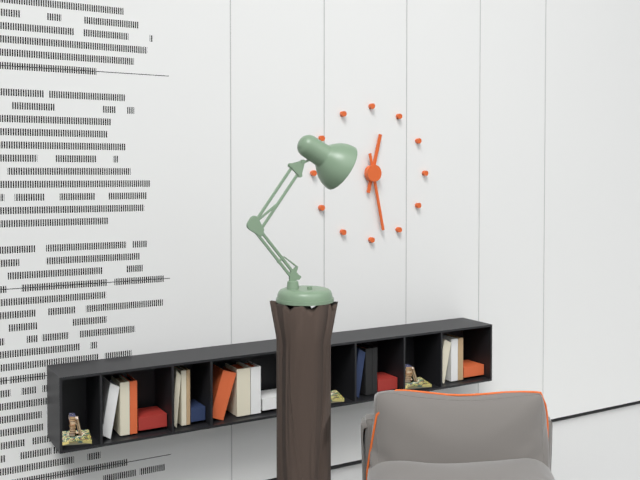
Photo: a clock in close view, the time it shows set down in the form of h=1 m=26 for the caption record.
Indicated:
h=12 m=28
